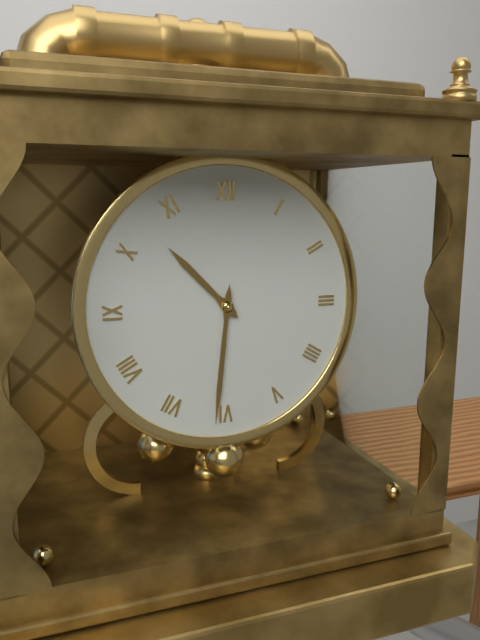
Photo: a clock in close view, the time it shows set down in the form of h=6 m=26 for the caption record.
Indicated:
h=10 m=31
